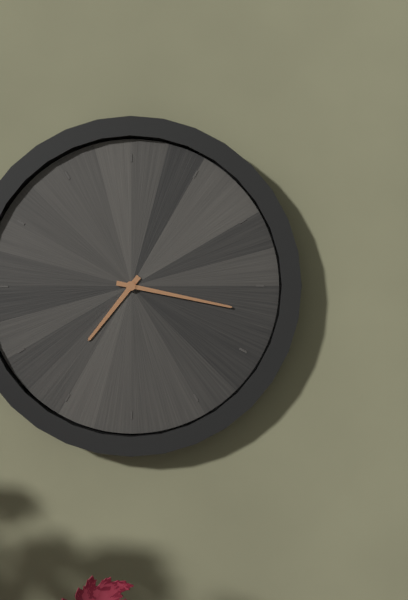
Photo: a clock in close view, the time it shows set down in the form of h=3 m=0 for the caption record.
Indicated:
h=7 m=17
